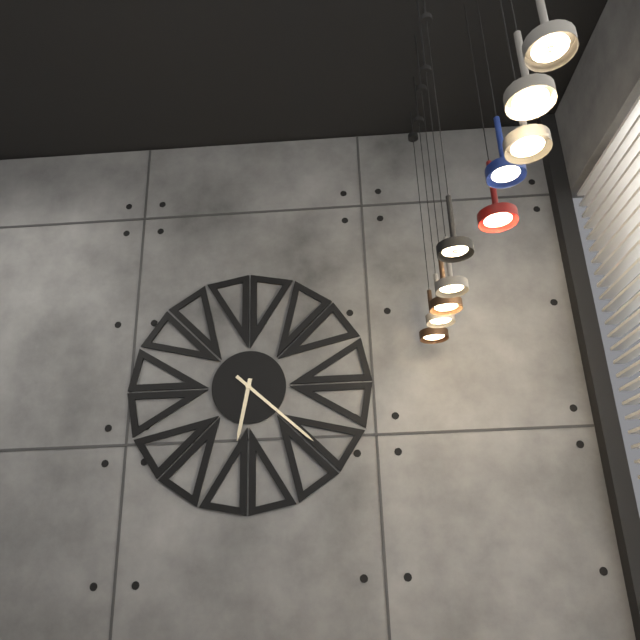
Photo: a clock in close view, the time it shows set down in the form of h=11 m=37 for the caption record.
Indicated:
h=6 m=22
